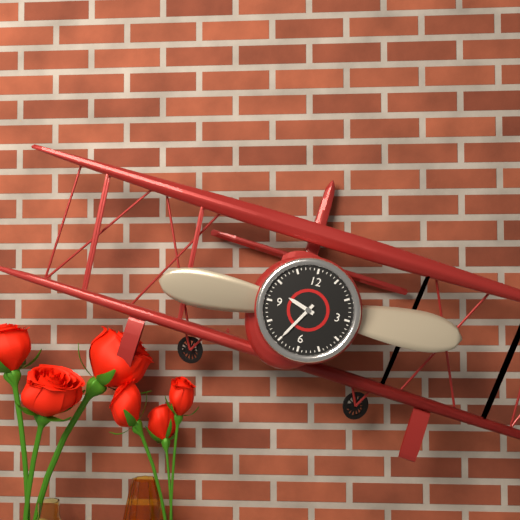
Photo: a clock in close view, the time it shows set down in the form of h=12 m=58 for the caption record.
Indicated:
h=9 m=35
